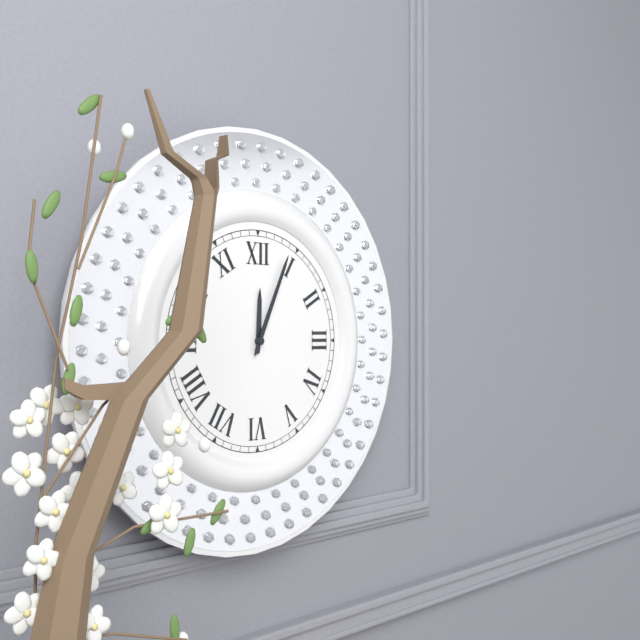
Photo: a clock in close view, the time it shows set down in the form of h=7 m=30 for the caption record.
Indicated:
h=12 m=4
